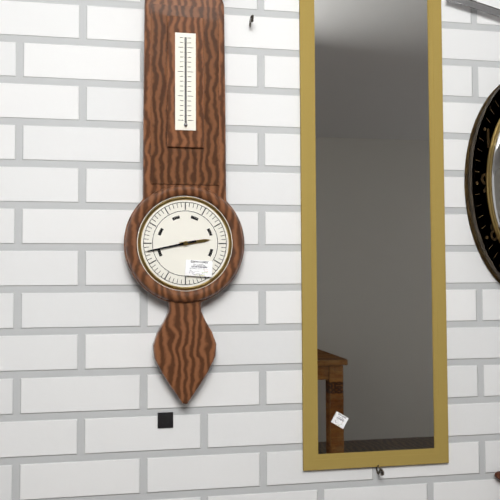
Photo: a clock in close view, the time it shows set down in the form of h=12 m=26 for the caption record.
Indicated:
h=2 m=43
